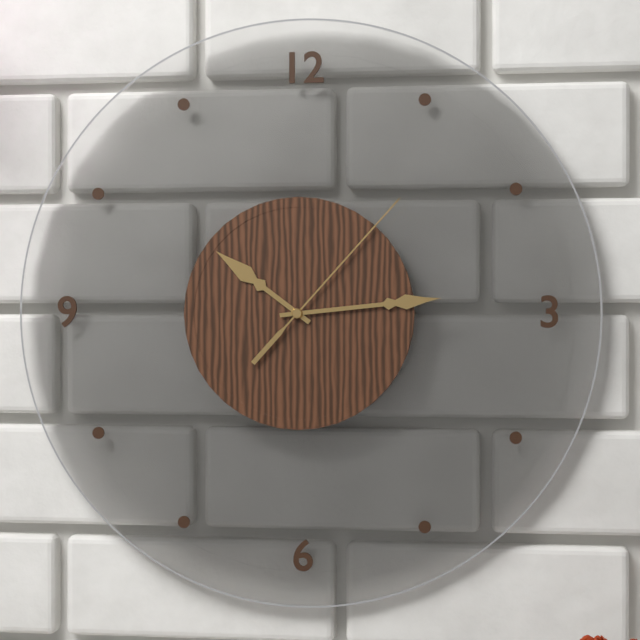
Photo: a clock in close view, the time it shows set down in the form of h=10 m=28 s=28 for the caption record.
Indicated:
h=10 m=14 s=7
